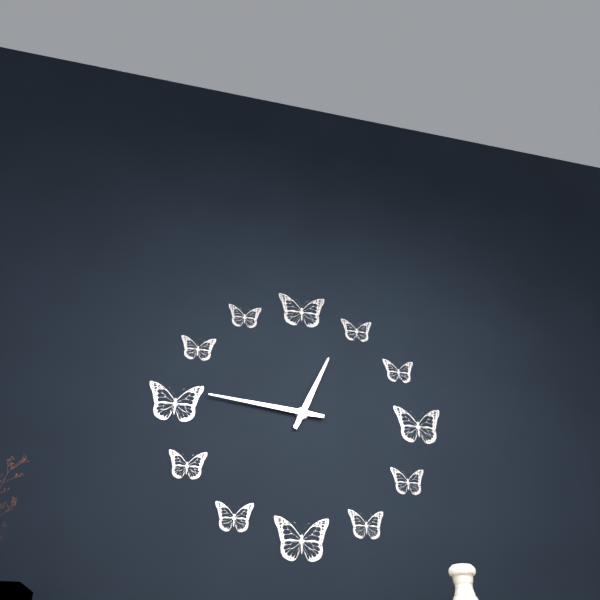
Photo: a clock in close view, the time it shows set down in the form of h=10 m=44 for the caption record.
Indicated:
h=12 m=46
